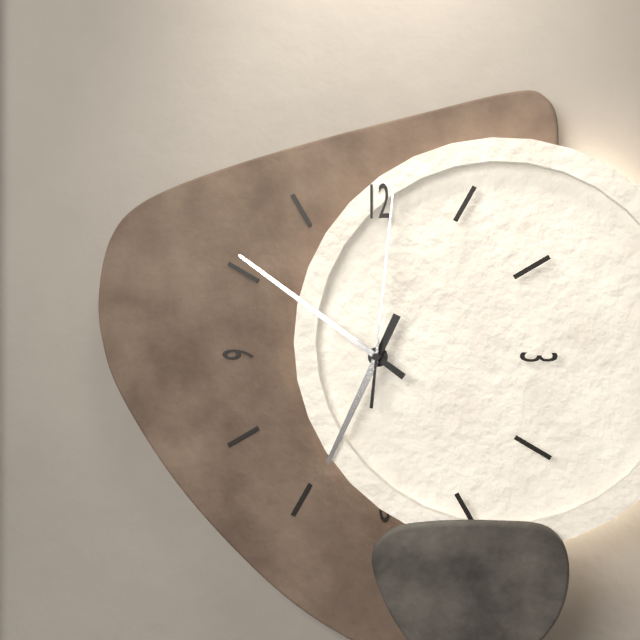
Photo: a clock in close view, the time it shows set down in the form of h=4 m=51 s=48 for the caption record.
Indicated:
h=6 m=51 s=1
